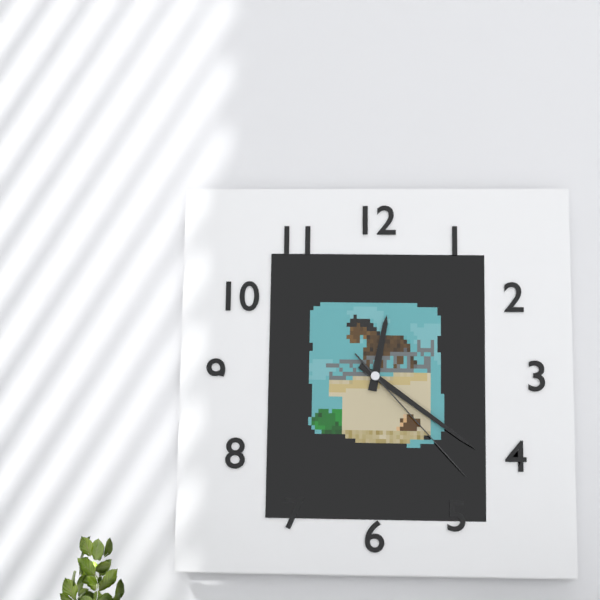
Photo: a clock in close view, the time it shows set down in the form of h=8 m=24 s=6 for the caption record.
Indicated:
h=12 m=21 s=23
